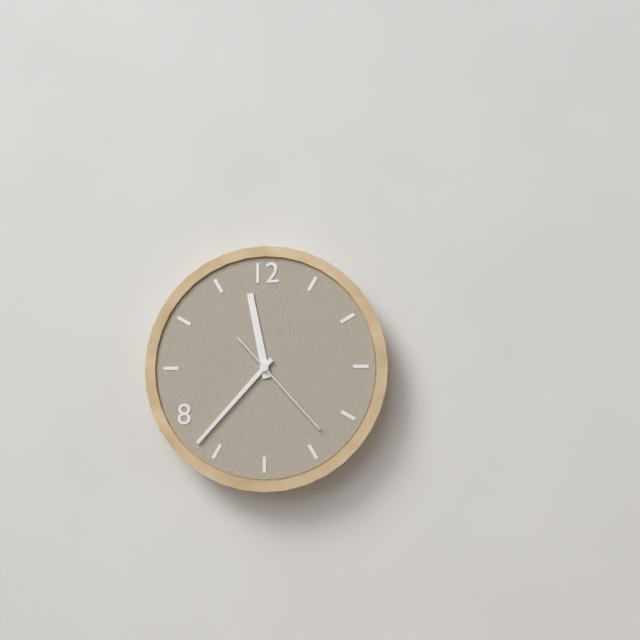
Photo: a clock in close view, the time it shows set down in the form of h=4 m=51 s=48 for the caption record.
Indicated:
h=11 m=37 s=23
